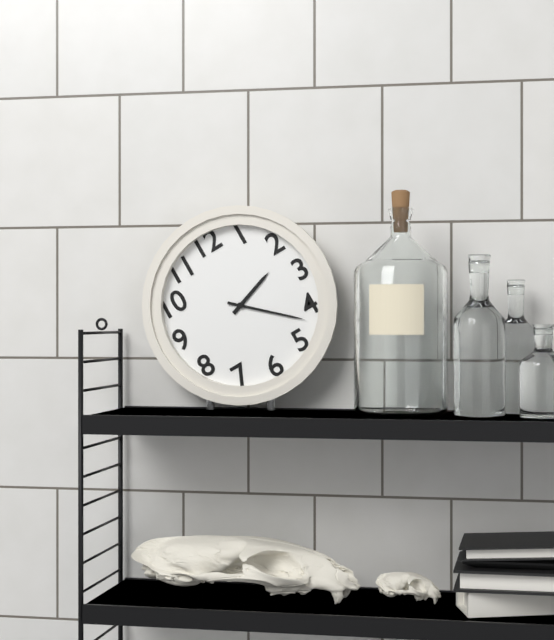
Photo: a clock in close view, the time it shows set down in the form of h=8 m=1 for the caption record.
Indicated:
h=2 m=22
